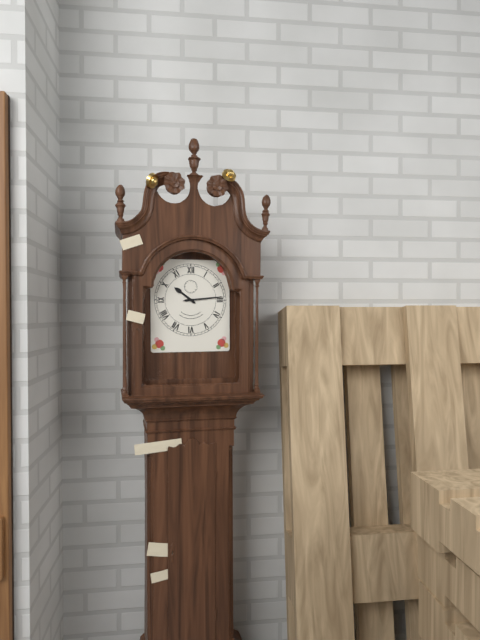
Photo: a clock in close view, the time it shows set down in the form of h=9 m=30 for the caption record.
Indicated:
h=10 m=14
